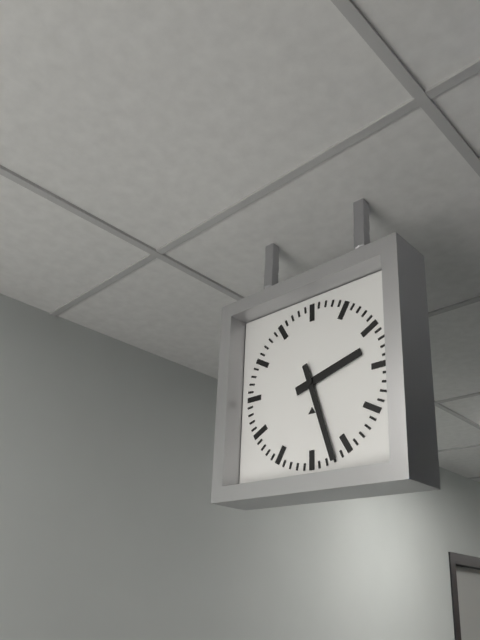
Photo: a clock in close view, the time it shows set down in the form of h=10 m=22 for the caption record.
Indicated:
h=2 m=27
